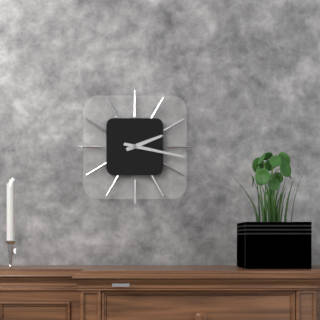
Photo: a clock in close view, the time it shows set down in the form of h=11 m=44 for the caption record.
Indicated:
h=2 m=17
